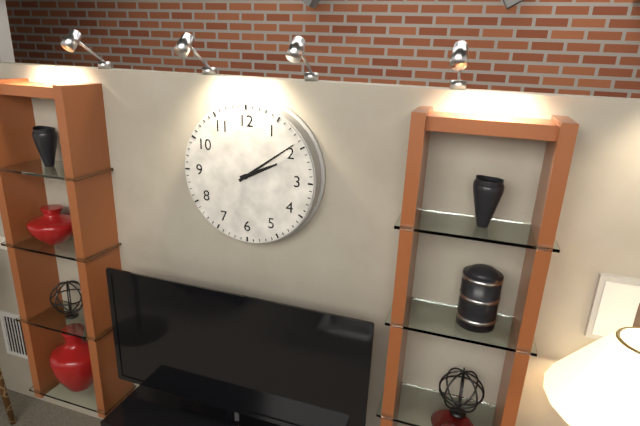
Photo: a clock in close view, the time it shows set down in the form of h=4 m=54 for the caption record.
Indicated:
h=2 m=9
